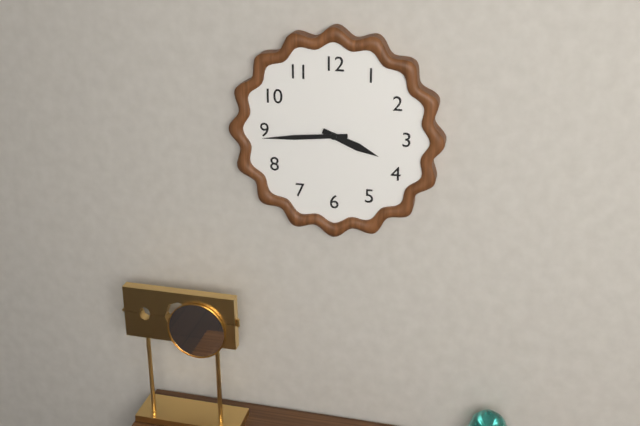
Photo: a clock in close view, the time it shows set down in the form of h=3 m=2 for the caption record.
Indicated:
h=3 m=44
